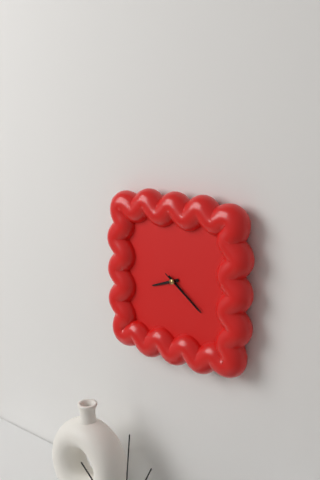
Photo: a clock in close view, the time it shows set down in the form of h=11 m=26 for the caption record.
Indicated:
h=8 m=21
